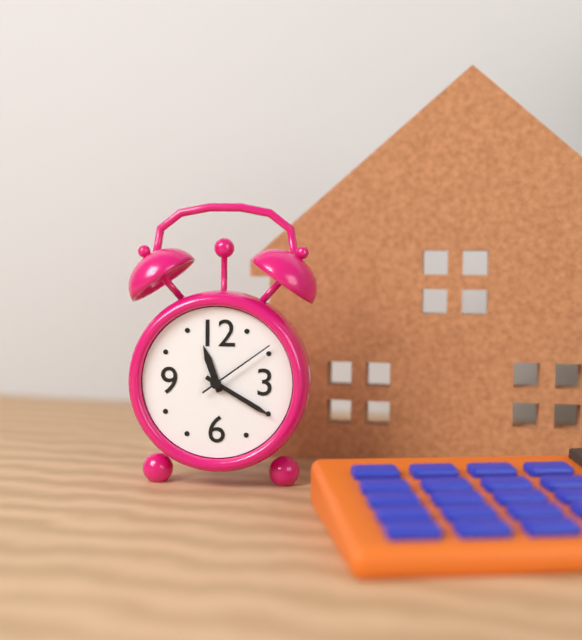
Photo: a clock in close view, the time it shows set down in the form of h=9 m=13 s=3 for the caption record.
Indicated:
h=11 m=20 s=9
